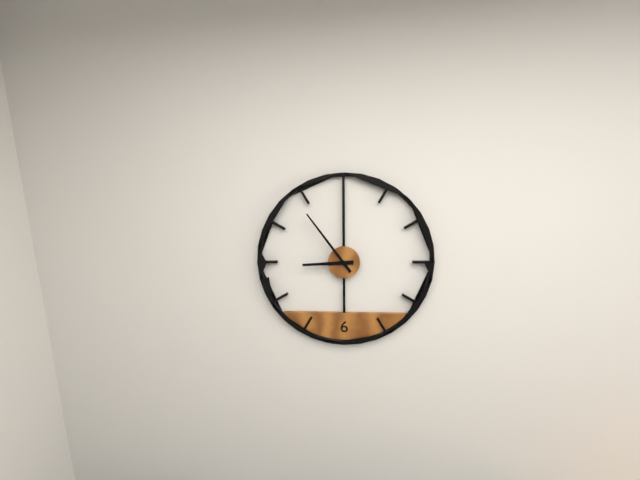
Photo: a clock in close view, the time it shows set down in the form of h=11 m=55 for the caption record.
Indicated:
h=8 m=54
